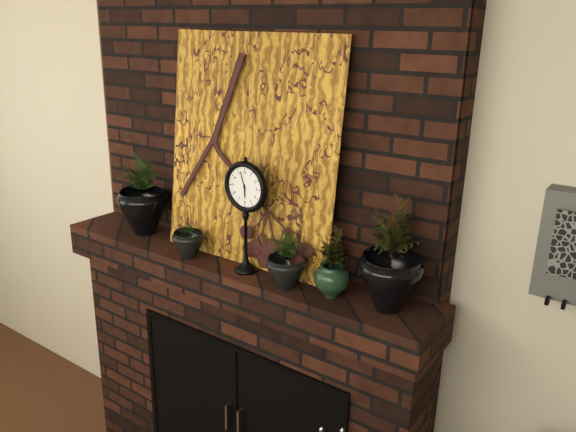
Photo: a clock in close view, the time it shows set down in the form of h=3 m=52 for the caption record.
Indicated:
h=5 m=57
